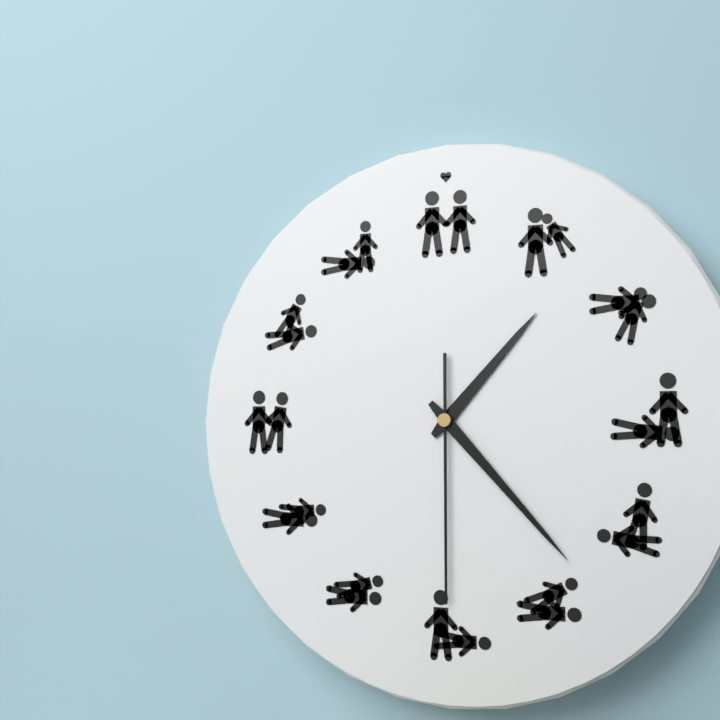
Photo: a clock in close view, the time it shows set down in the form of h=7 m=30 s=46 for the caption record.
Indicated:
h=1 m=23 s=30
